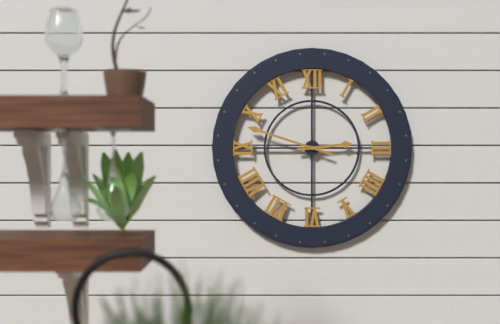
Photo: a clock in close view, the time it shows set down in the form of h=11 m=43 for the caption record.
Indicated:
h=2 m=48
